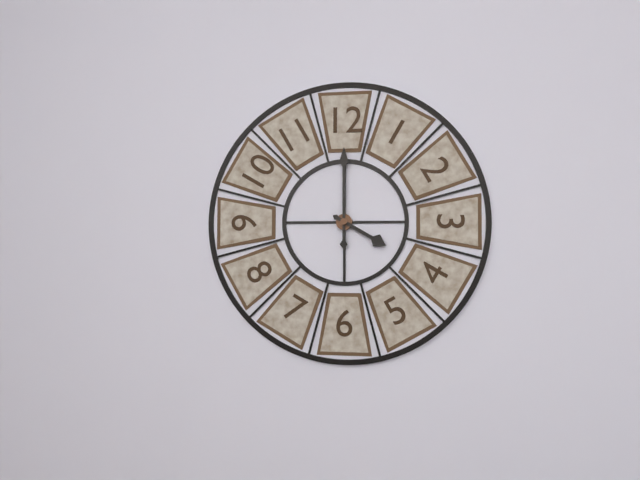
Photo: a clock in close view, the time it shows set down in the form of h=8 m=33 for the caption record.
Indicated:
h=4 m=0
